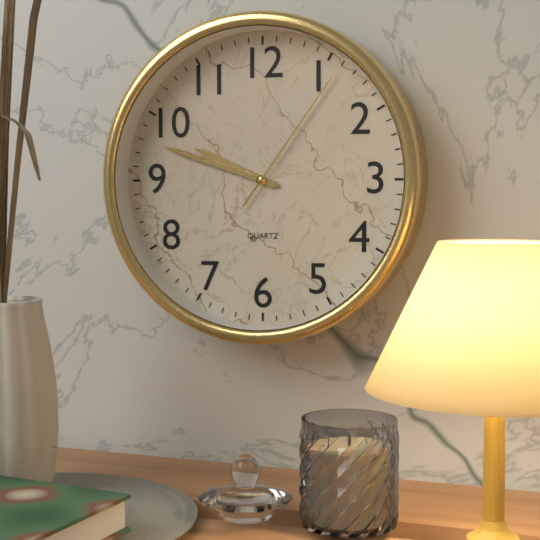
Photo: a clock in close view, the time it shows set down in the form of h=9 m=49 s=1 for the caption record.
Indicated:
h=9 m=48 s=6
